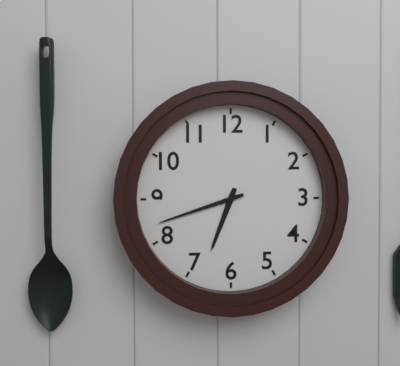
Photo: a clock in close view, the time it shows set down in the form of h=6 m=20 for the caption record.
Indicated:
h=6 m=42
